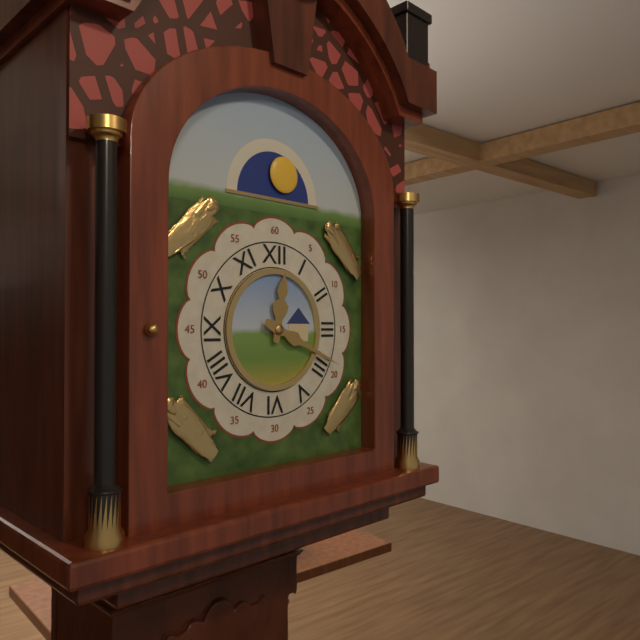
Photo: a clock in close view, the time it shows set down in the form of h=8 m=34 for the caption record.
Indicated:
h=12 m=19
